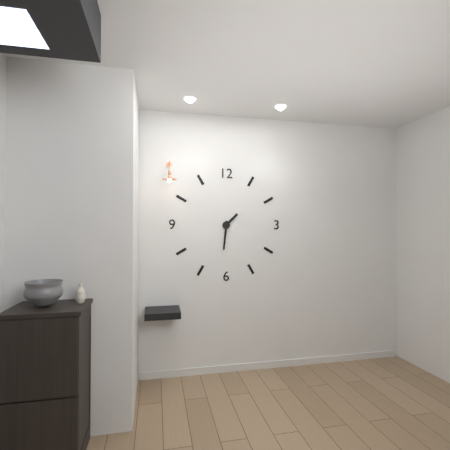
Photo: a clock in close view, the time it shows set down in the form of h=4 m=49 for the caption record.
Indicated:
h=1 m=31
